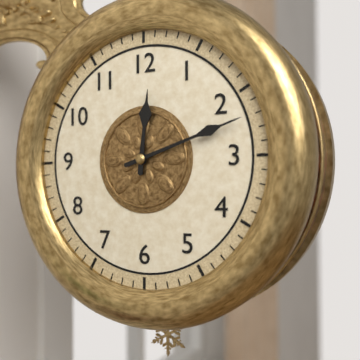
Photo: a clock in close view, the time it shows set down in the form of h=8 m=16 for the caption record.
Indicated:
h=12 m=12
